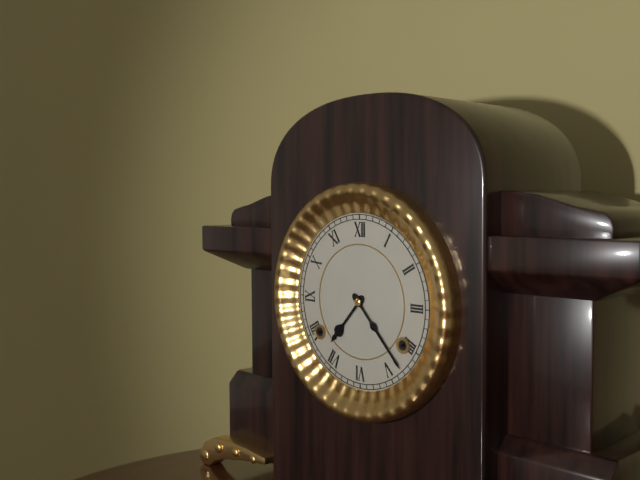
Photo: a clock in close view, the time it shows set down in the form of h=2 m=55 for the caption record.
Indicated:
h=7 m=23
